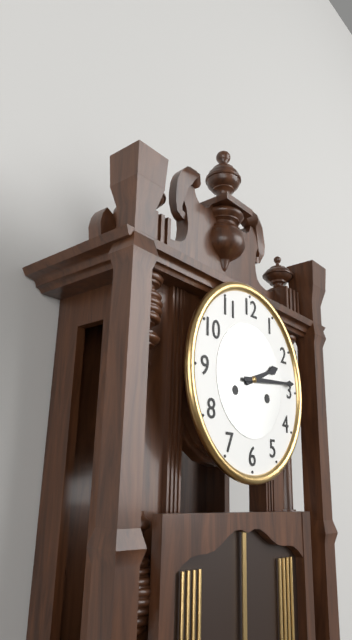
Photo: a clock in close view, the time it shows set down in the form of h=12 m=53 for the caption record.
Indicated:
h=2 m=14
